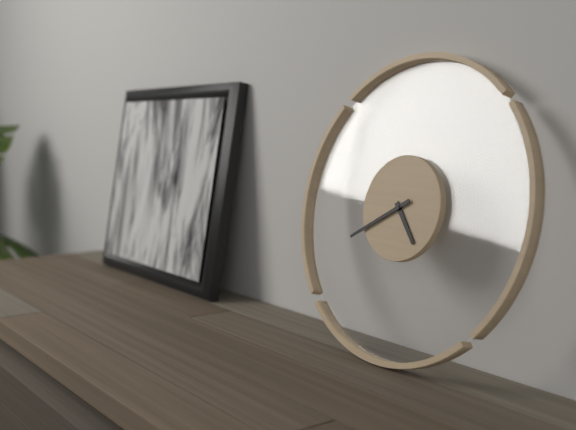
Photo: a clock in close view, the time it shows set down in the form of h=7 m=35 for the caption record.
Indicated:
h=4 m=40
